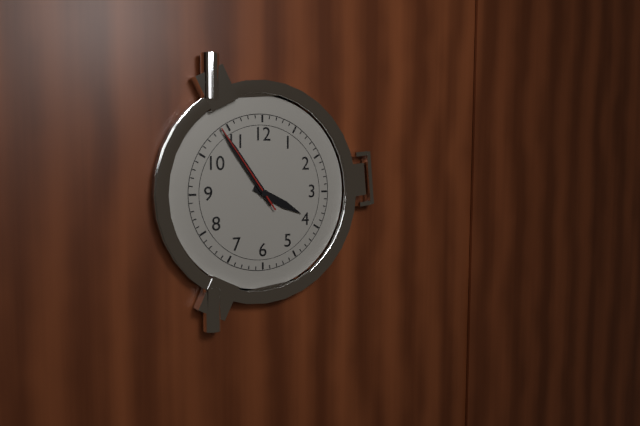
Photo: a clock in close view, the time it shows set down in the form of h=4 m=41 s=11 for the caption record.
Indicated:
h=3 m=54 s=54
